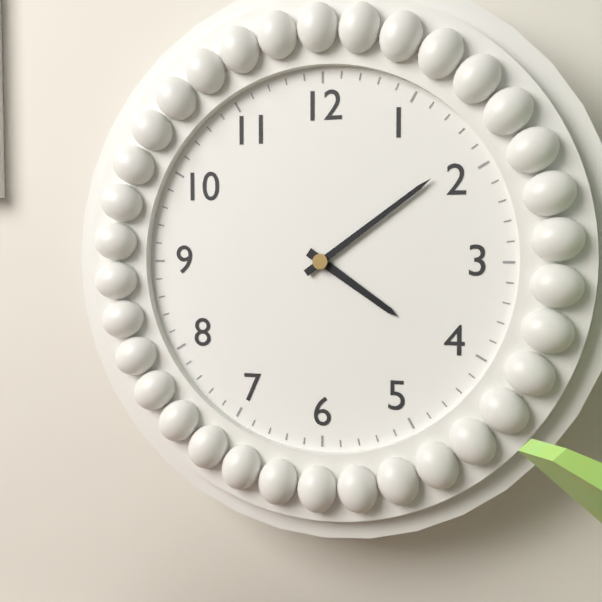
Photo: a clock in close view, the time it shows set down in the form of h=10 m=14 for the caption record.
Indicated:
h=4 m=9
